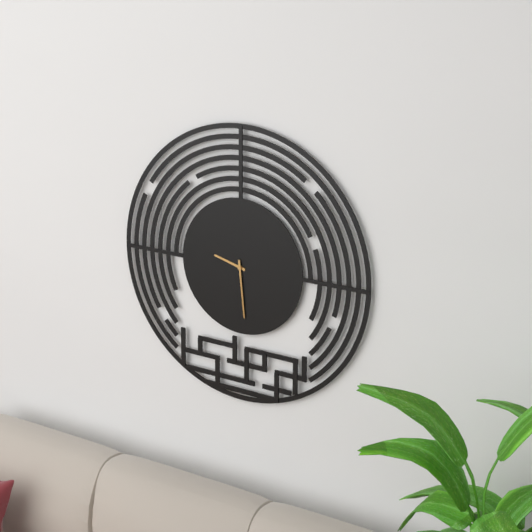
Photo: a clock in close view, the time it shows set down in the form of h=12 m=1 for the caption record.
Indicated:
h=9 m=29
